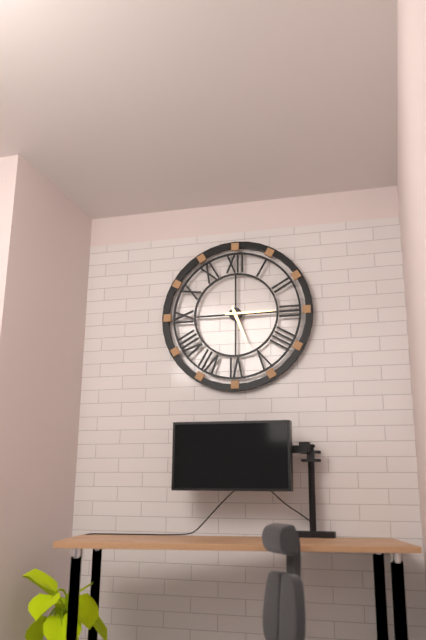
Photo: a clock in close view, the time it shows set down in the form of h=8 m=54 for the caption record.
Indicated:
h=5 m=15
